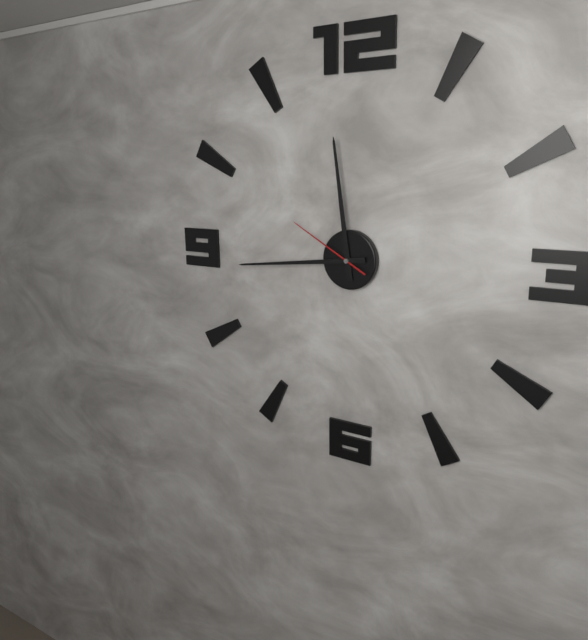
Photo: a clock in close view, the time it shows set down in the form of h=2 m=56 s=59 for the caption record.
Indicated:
h=11 m=44 s=50
